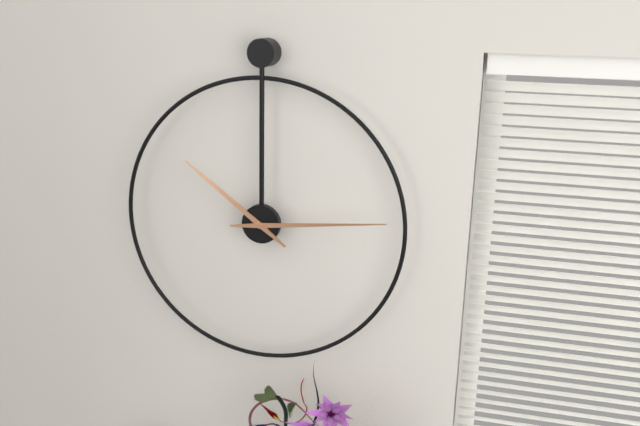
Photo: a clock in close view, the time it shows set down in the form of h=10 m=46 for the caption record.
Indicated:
h=10 m=14
